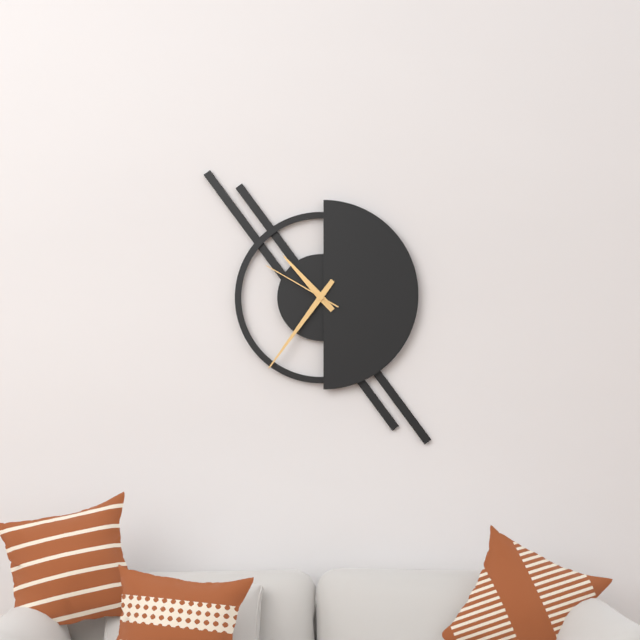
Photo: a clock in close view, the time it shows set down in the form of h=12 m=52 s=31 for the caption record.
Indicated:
h=10 m=36 s=50
